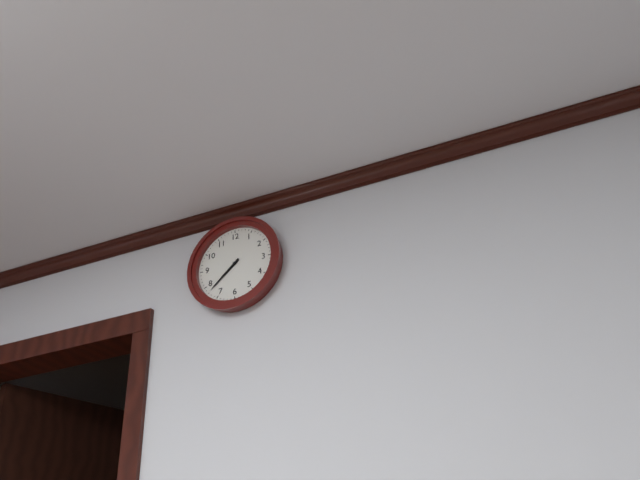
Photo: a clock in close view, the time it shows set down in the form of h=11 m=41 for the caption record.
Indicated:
h=7 m=38
